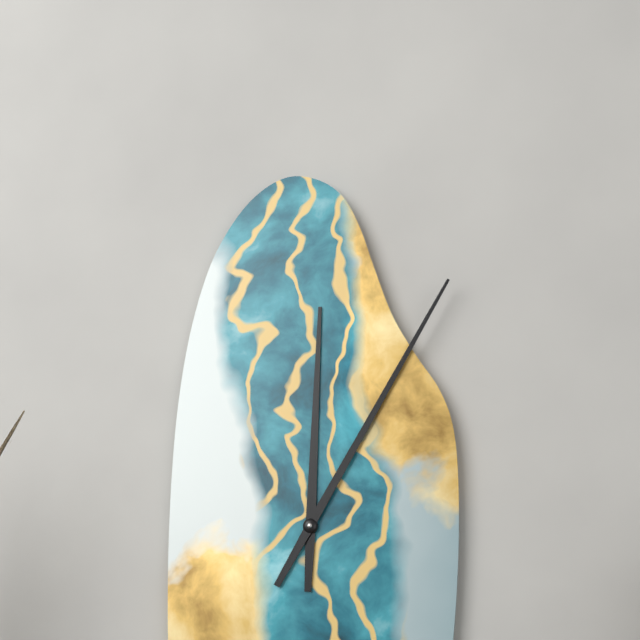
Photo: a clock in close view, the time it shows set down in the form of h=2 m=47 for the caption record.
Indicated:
h=12 m=5
